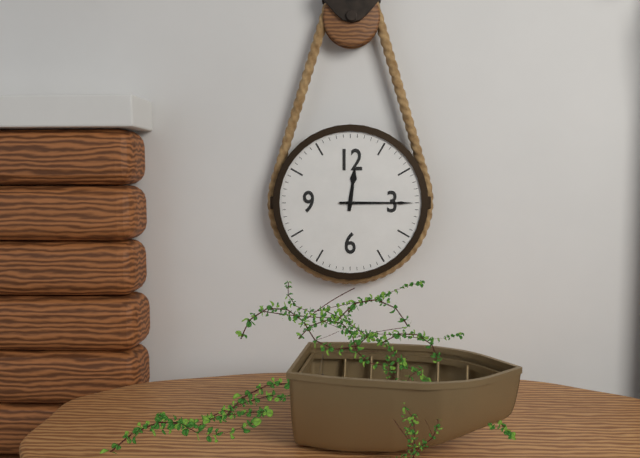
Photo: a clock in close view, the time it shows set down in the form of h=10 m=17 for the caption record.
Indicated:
h=12 m=15
